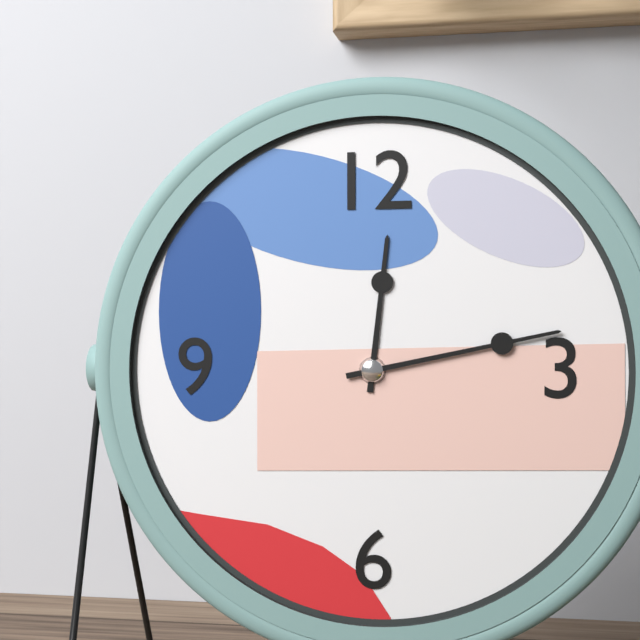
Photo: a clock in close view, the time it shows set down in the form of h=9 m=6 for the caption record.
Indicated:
h=12 m=13
